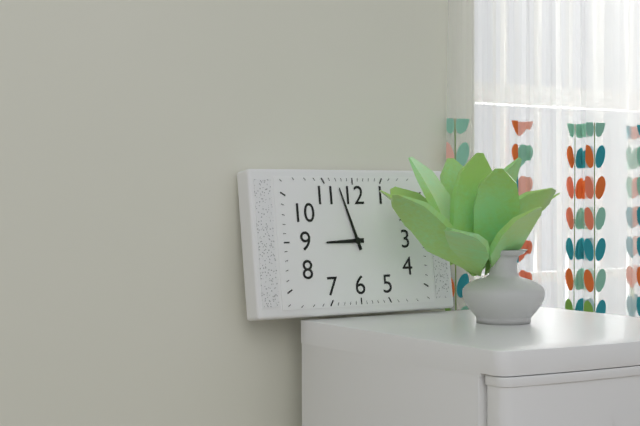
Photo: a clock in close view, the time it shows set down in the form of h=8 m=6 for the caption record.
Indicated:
h=8 m=57
